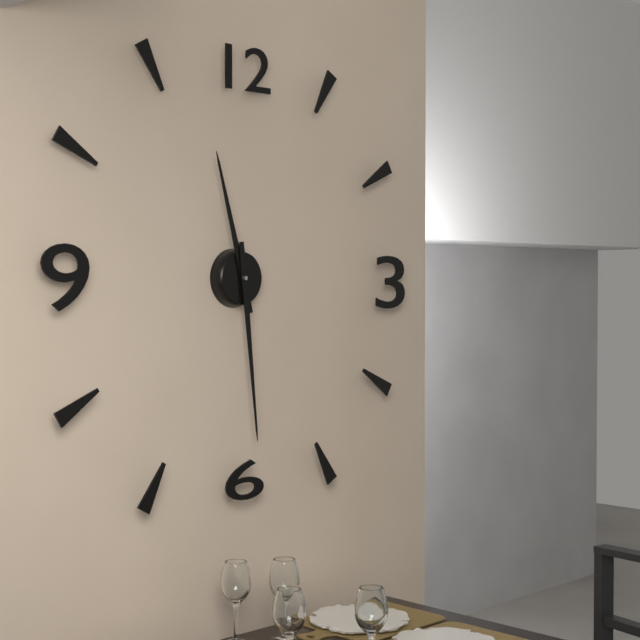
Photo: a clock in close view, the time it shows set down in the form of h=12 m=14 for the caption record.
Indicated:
h=11 m=29
